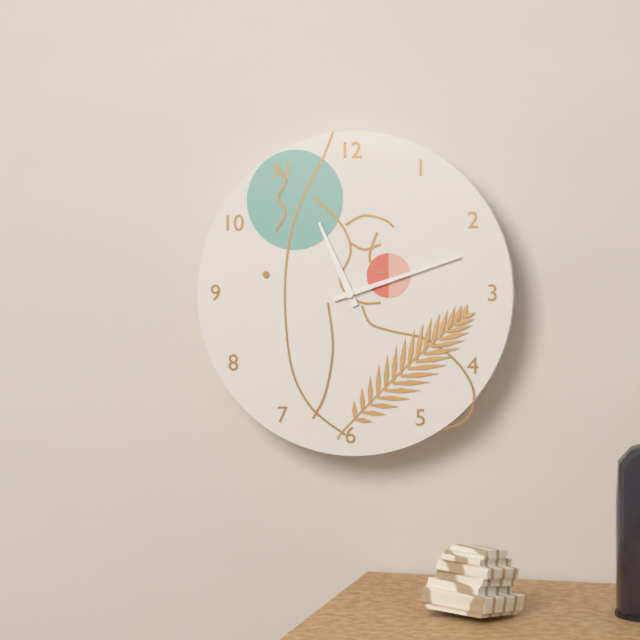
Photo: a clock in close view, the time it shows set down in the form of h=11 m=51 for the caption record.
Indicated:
h=11 m=12
